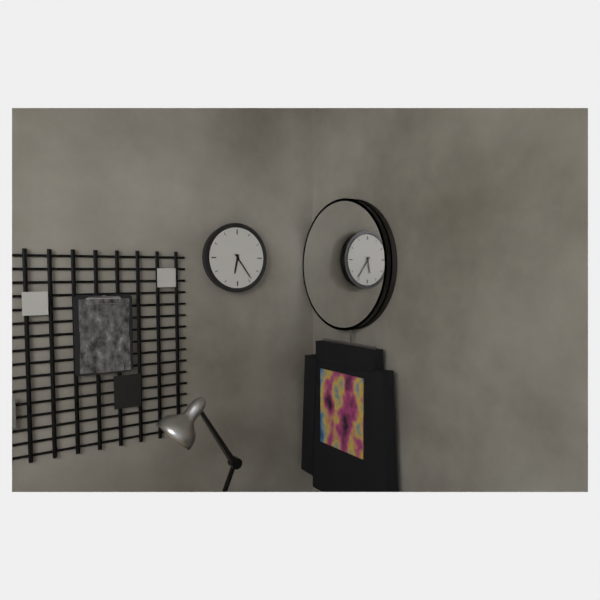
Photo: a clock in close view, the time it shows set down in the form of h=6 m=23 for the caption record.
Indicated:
h=6 m=24
